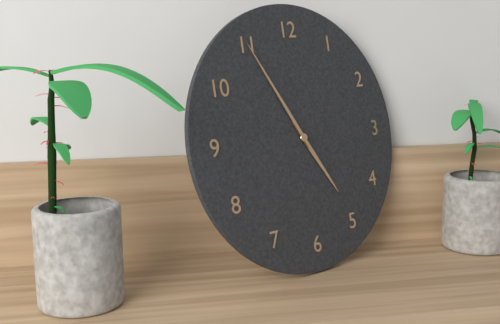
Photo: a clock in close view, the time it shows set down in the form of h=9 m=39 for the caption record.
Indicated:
h=4 m=55
